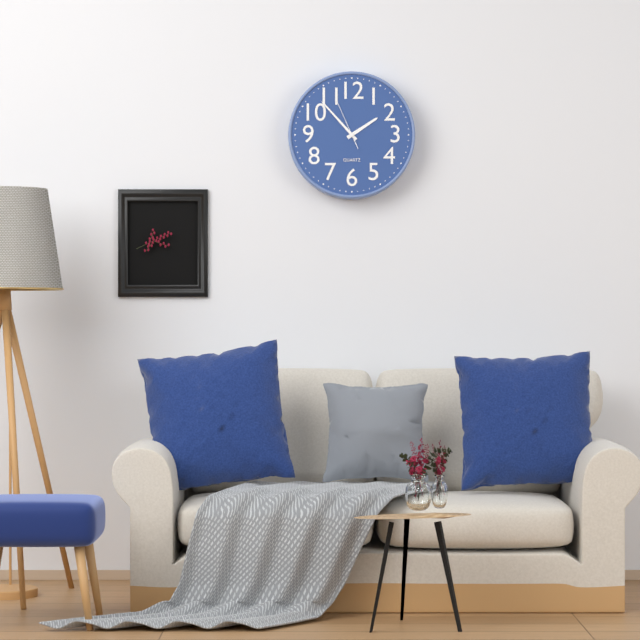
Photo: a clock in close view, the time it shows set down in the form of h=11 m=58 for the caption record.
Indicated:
h=1 m=53
